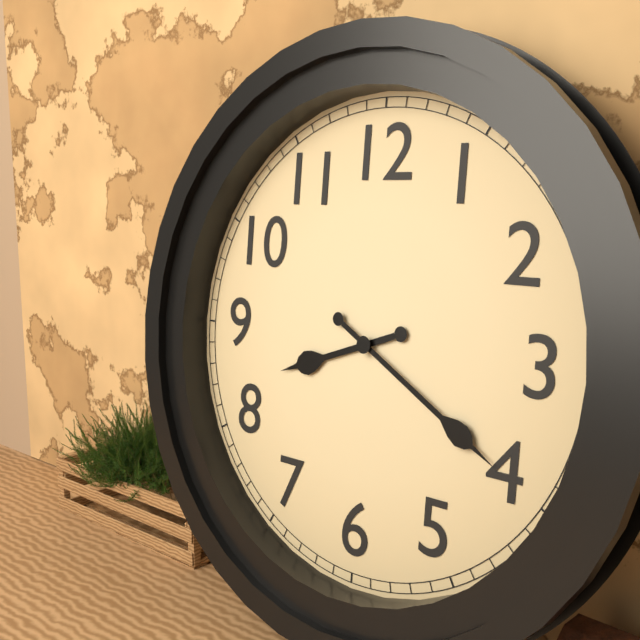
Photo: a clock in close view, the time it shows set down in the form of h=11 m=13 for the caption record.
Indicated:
h=8 m=20
